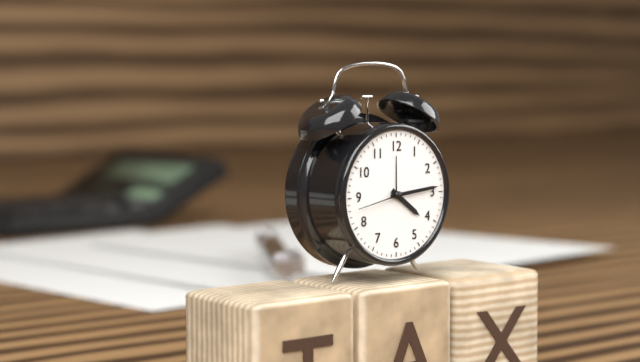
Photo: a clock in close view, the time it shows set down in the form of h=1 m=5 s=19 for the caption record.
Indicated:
h=4 m=14 s=43
